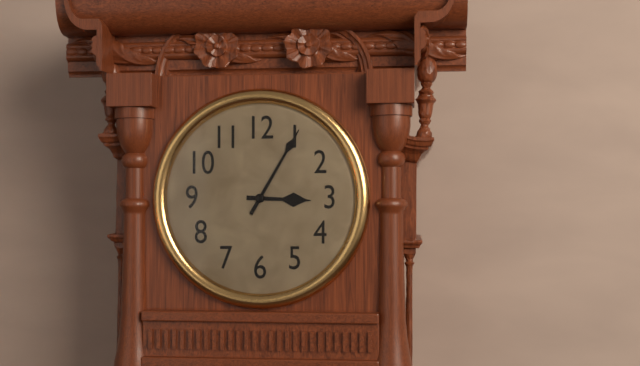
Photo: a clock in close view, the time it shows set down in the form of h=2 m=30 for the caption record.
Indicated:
h=3 m=5
